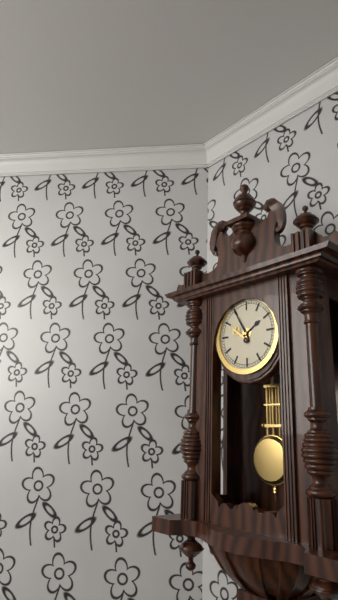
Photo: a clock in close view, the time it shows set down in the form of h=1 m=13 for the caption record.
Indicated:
h=1 m=55
